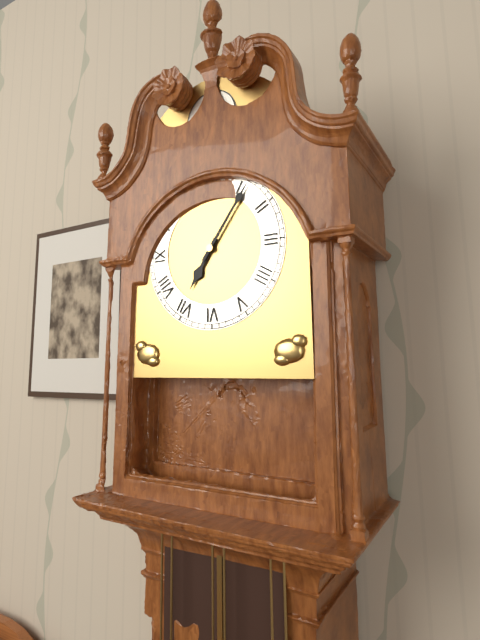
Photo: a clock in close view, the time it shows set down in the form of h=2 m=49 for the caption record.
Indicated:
h=7 m=6
